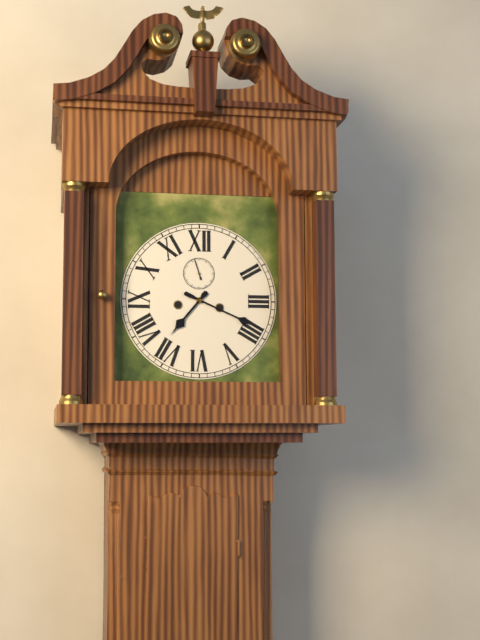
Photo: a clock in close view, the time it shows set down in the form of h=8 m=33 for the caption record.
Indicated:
h=7 m=19
